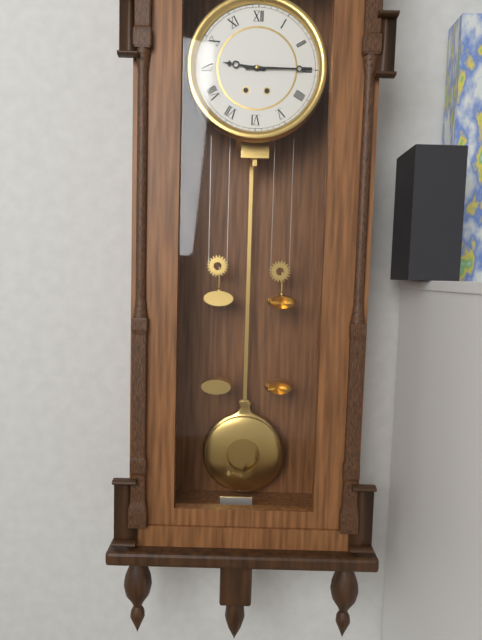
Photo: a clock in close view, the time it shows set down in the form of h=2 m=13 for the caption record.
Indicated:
h=9 m=15
